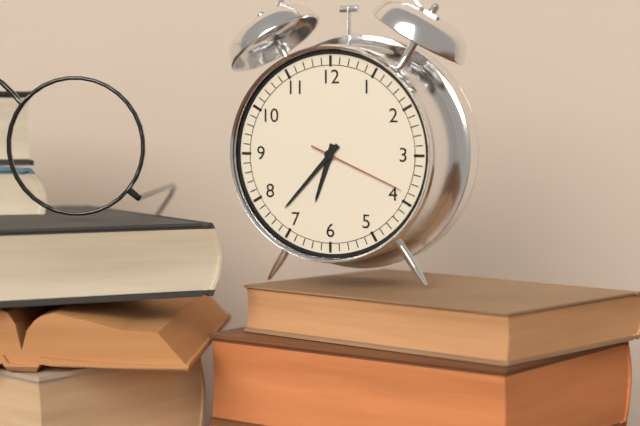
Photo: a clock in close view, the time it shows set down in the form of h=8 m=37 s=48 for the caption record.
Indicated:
h=6 m=37 s=19
